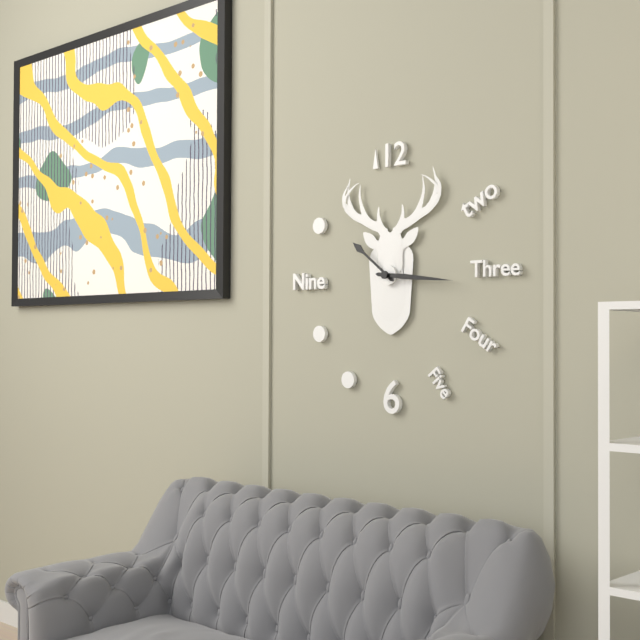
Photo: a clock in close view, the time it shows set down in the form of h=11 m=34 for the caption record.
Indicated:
h=10 m=16
